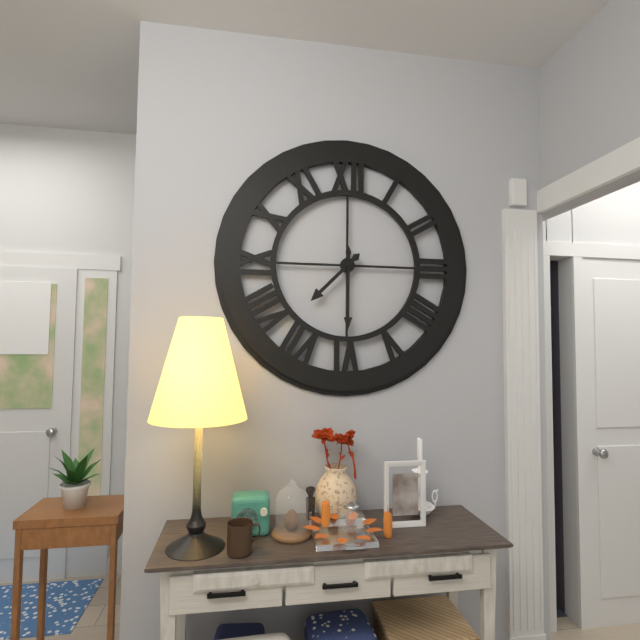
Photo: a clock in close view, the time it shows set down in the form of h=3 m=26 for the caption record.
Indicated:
h=7 m=30
